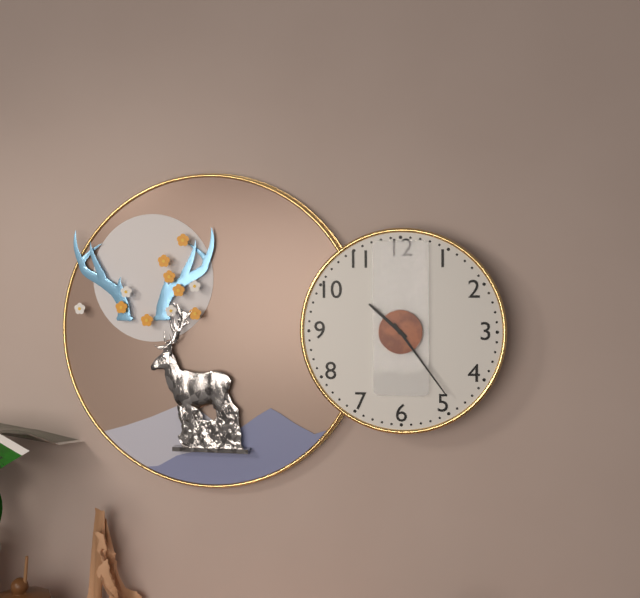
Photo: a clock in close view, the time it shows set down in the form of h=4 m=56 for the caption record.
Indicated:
h=10 m=24
